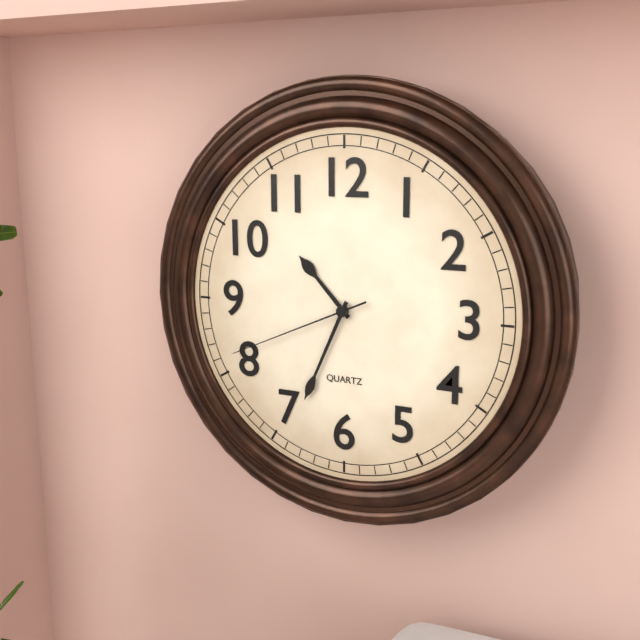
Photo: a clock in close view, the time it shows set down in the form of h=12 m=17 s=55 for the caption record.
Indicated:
h=10 m=34 s=41
